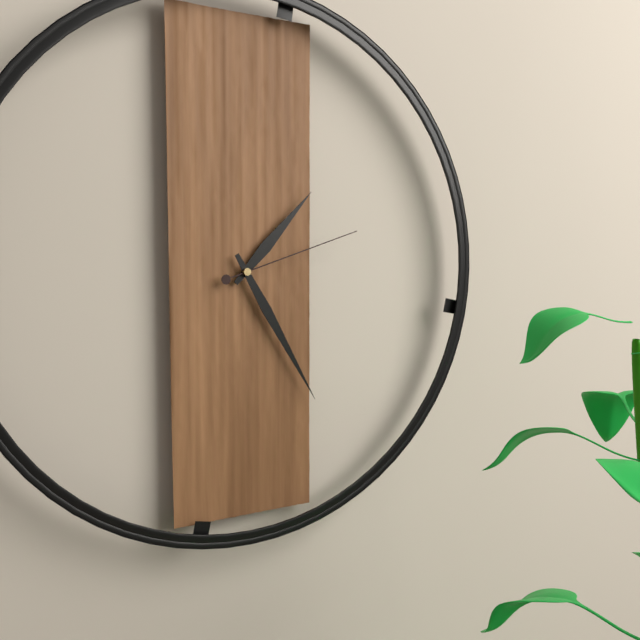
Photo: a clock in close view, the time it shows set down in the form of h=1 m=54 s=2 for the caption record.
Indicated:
h=1 m=25 s=12
